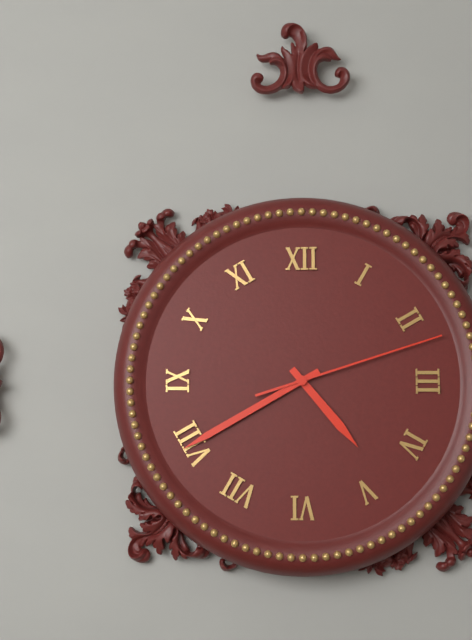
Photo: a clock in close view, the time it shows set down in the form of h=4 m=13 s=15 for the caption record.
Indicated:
h=4 m=40 s=12
